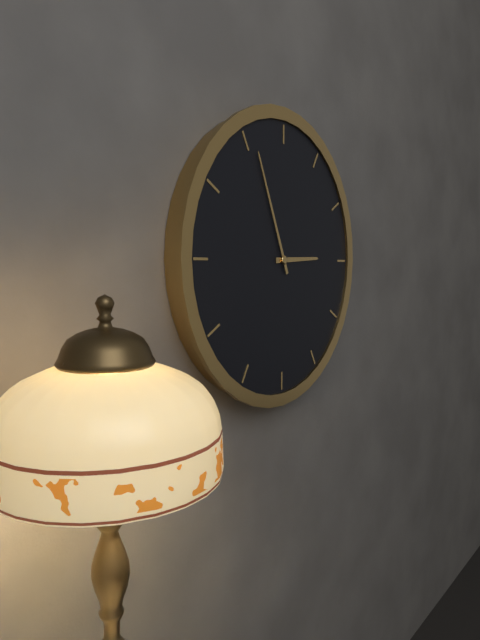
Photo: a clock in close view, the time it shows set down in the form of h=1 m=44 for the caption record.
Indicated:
h=2 m=56
